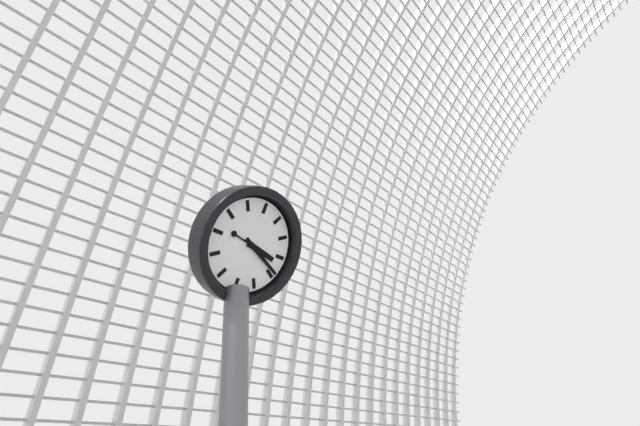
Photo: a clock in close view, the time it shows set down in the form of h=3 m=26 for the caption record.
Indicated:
h=3 m=19
